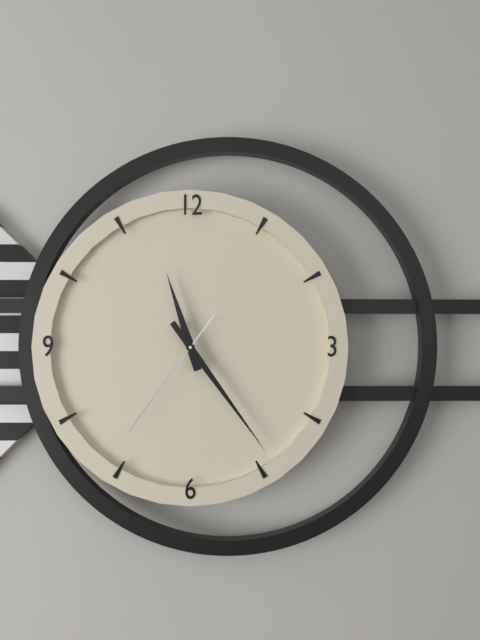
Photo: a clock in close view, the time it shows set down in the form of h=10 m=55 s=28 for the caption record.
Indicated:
h=11 m=24 s=36
